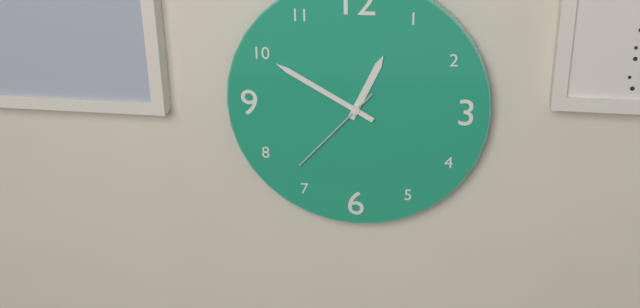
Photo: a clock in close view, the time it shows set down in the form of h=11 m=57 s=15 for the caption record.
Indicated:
h=12 m=50 s=37
